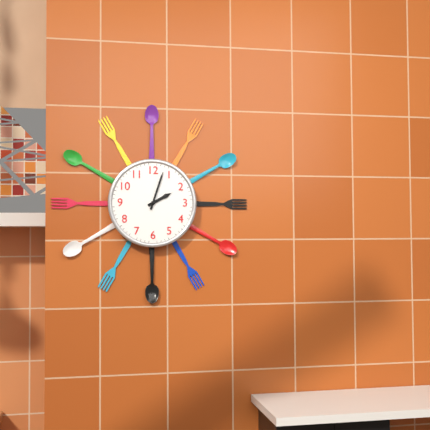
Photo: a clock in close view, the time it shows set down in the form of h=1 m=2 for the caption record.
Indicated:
h=2 m=3
